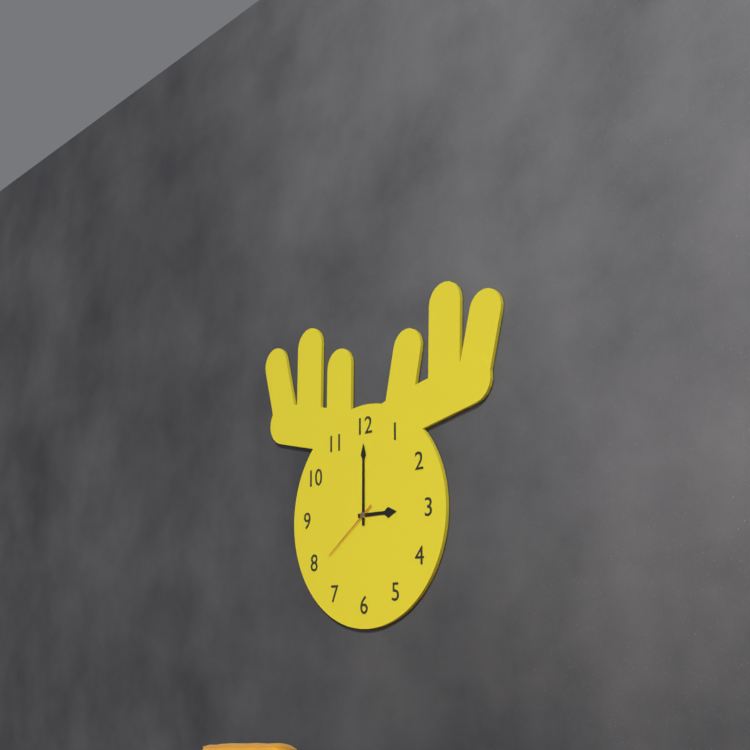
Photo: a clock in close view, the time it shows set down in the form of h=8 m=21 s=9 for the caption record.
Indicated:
h=3 m=0 s=39
